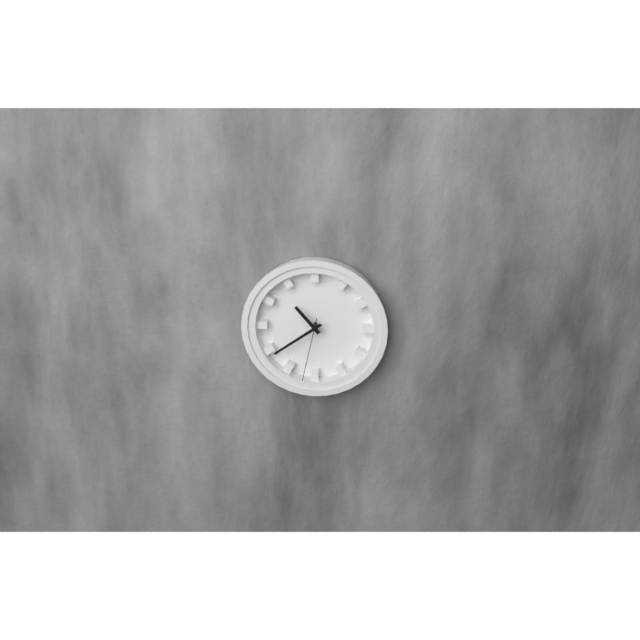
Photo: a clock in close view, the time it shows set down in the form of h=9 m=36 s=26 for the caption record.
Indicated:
h=10 m=39 s=32
